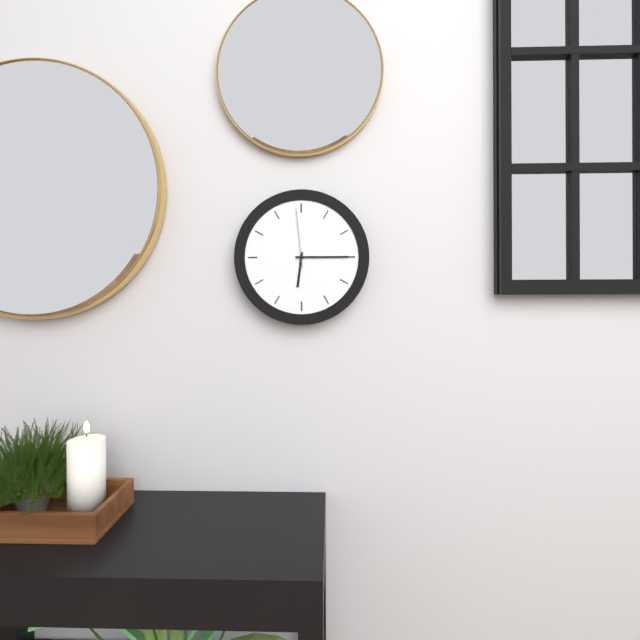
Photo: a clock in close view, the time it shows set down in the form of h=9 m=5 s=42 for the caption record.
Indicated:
h=6 m=15 s=59
